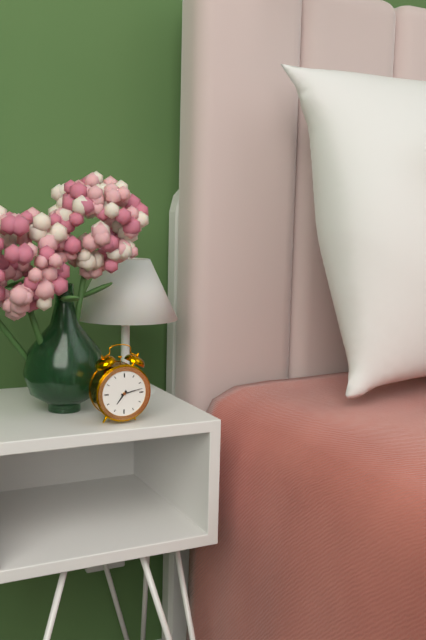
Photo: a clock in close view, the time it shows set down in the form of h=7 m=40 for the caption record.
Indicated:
h=7 m=13
